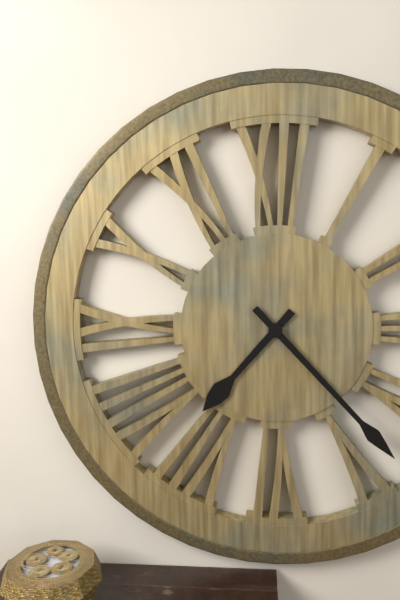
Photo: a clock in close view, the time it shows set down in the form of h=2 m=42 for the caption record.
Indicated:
h=7 m=23
